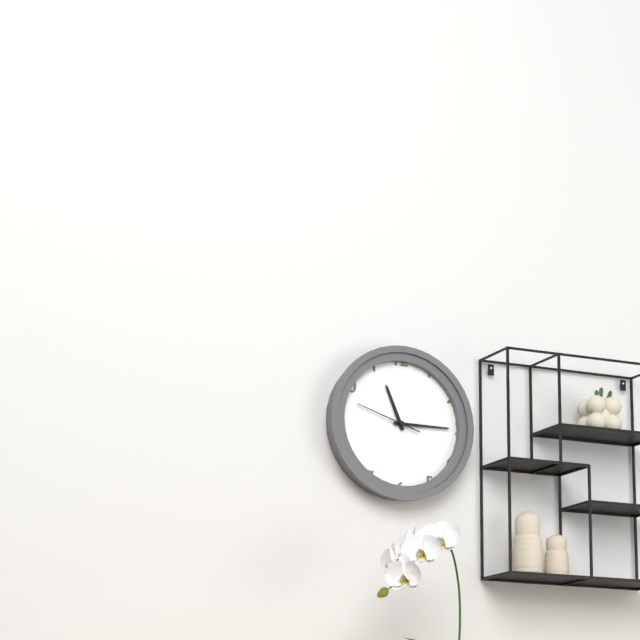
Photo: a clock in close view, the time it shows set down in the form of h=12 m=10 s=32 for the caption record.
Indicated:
h=11 m=15 s=48
